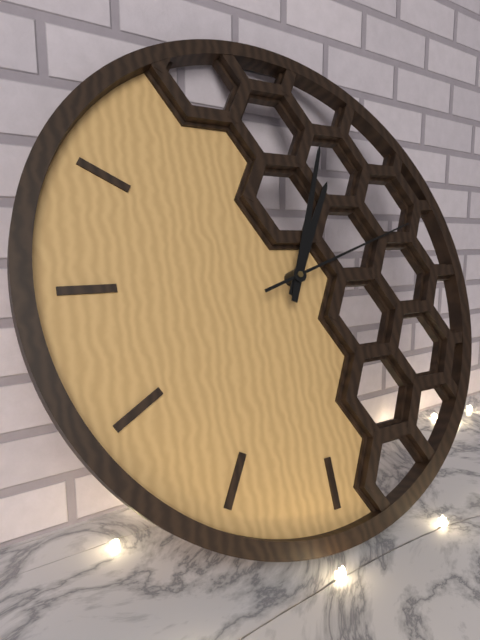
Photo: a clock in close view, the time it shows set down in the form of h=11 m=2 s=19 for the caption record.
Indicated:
h=1 m=4 s=12
